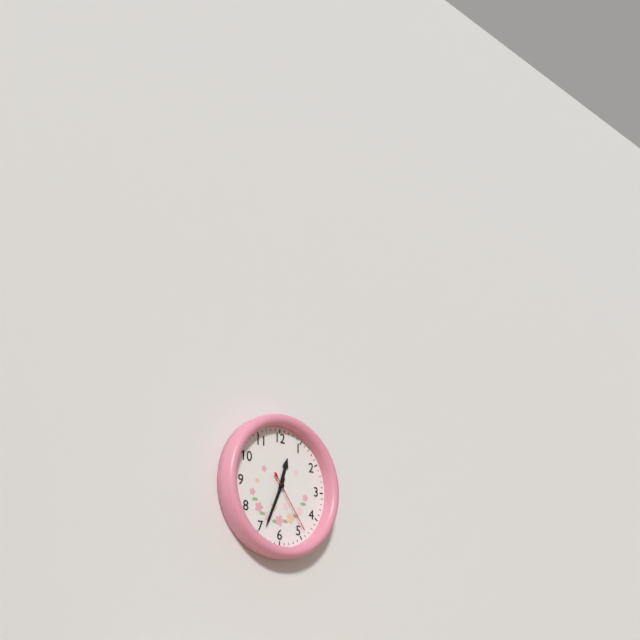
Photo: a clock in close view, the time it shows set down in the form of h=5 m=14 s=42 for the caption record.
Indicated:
h=12 m=34 s=24
